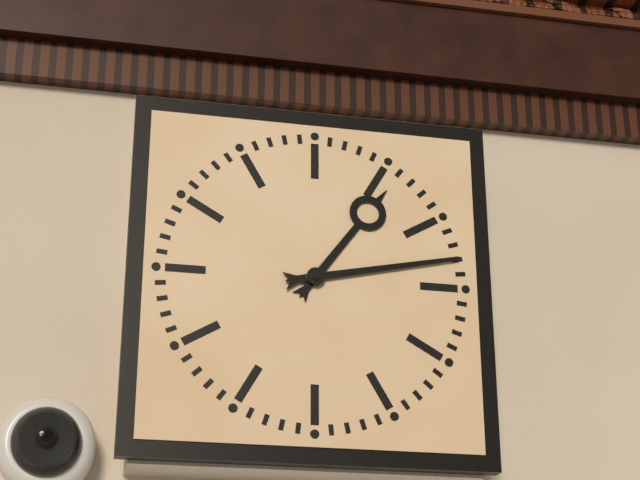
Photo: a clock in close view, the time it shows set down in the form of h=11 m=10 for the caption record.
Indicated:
h=1 m=13
